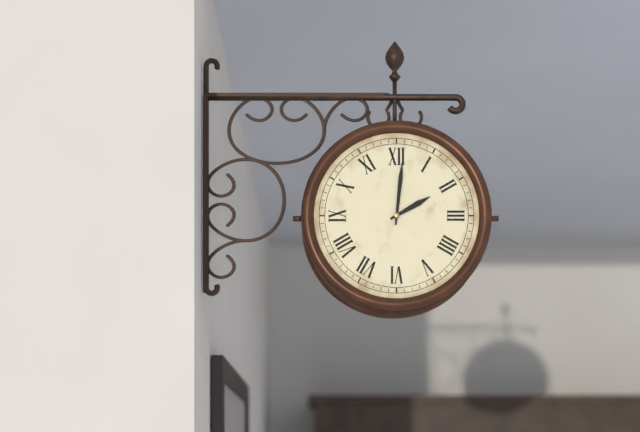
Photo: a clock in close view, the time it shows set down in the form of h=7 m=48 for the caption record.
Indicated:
h=2 m=1
